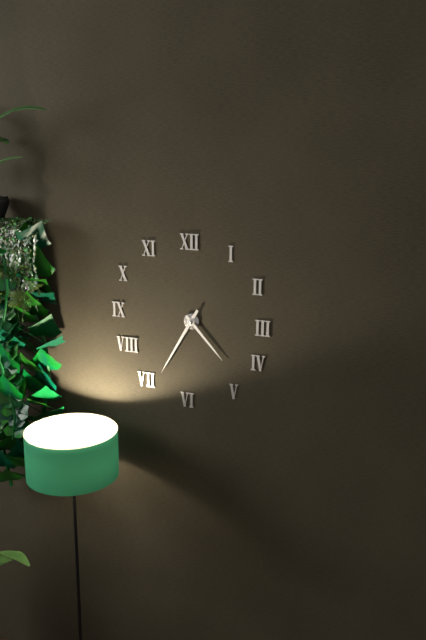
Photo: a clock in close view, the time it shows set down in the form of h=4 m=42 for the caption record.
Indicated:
h=4 m=35
